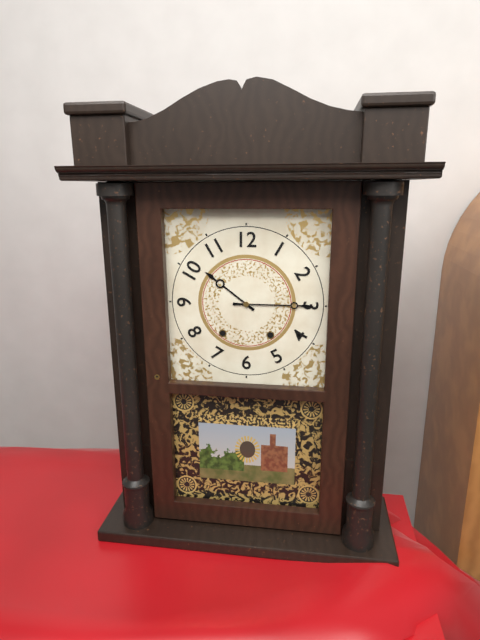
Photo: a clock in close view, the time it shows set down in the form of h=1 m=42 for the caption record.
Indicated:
h=10 m=15
